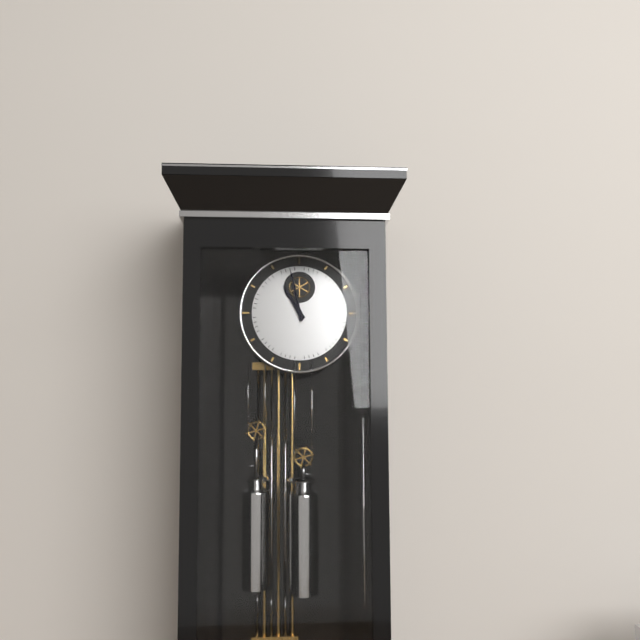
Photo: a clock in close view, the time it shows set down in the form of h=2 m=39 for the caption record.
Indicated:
h=10 m=58
